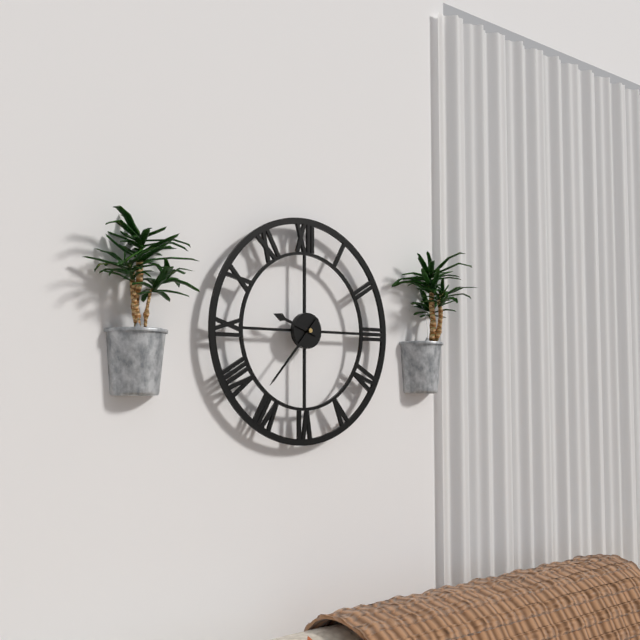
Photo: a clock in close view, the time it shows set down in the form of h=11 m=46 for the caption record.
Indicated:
h=9 m=37
